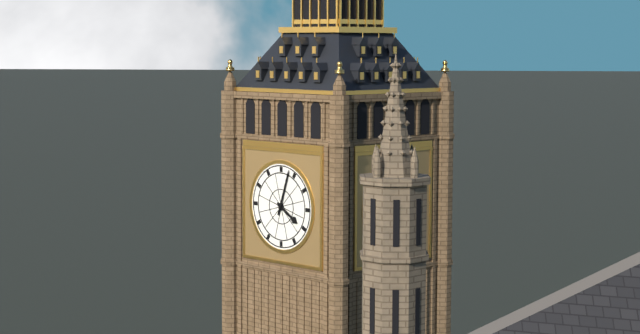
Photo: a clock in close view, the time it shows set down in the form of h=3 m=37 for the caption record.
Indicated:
h=4 m=3
